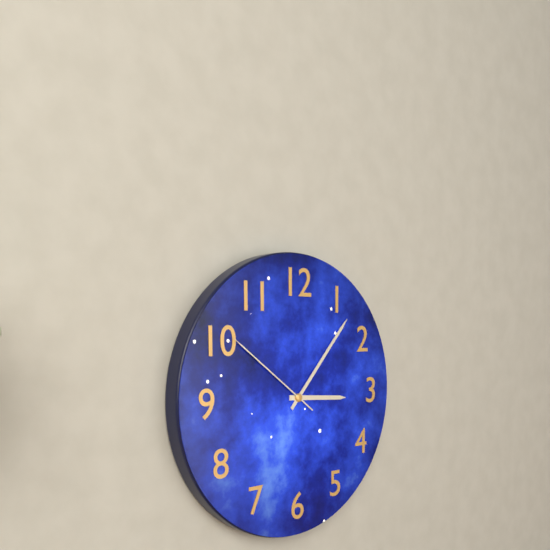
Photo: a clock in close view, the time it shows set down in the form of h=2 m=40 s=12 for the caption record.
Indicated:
h=3 m=7 s=51
